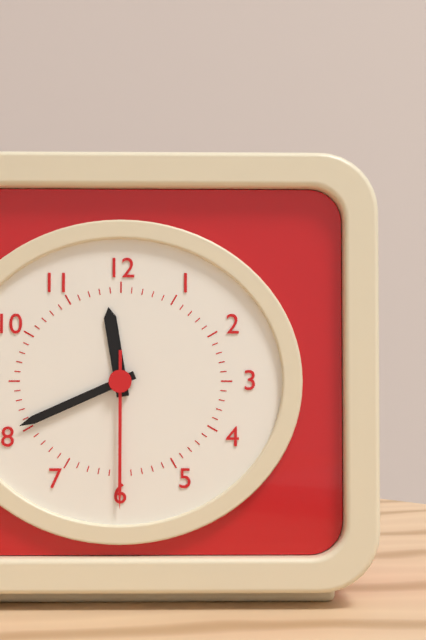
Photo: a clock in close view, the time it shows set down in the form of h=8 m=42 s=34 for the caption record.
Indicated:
h=11 m=41 s=30
